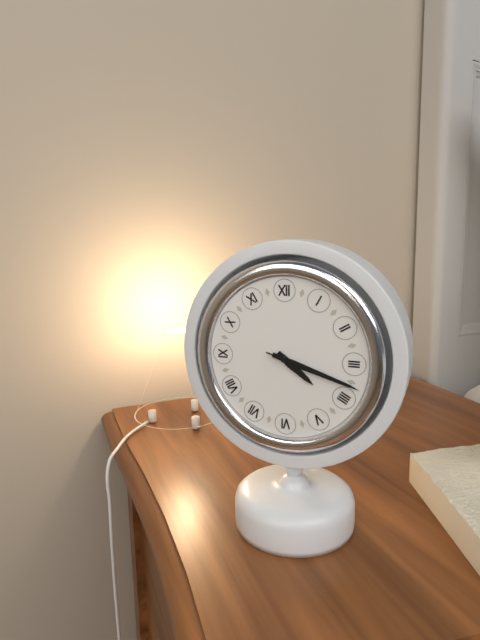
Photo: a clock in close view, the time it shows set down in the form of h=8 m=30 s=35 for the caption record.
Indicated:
h=4 m=18 s=18
